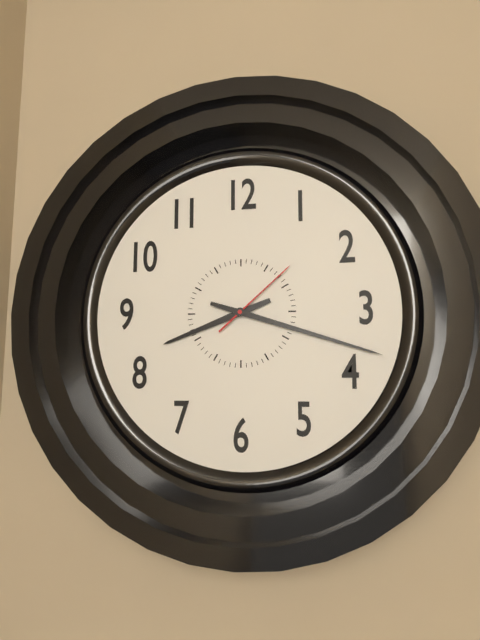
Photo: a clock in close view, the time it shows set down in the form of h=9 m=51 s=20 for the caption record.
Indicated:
h=8 m=18 s=8
